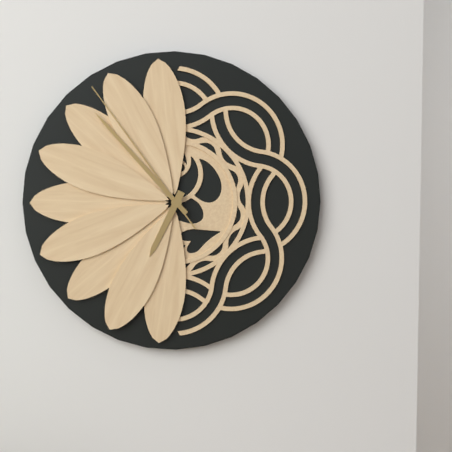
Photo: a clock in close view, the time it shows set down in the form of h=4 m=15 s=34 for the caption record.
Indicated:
h=6 m=53 s=54
